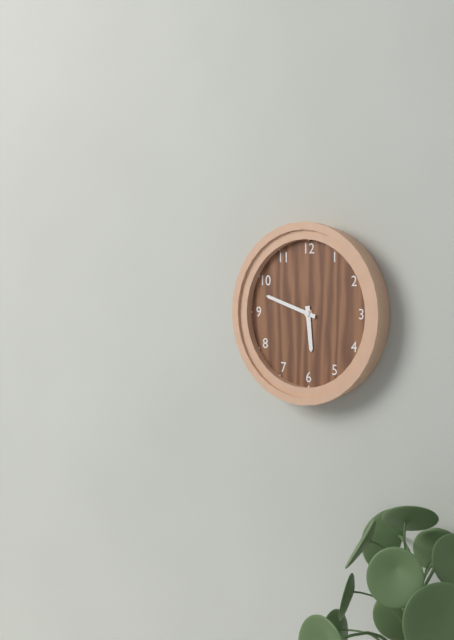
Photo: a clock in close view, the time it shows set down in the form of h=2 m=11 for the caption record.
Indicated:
h=5 m=48
